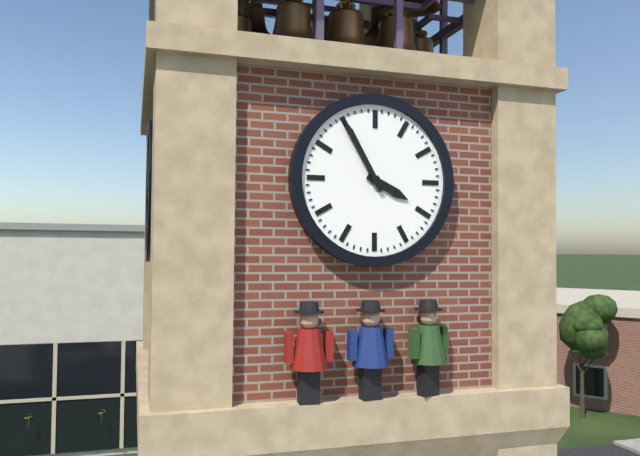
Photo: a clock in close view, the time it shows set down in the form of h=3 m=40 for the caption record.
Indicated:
h=3 m=55
